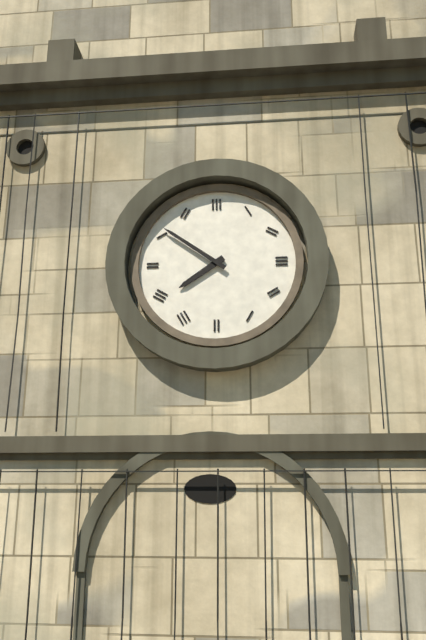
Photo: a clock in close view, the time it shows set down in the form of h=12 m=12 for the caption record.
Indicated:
h=7 m=51
